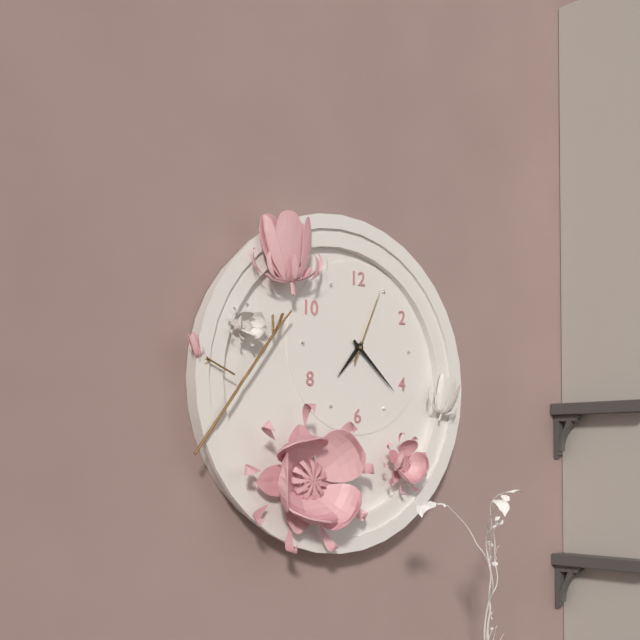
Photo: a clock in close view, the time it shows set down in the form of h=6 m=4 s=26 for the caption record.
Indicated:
h=7 m=22 s=4
